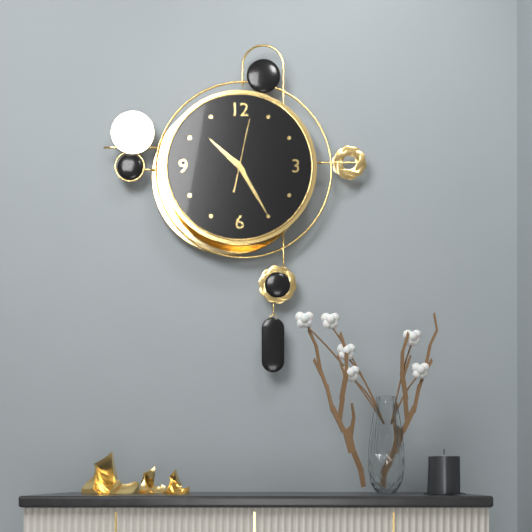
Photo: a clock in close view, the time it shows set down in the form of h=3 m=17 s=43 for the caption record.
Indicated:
h=10 m=25 s=2
